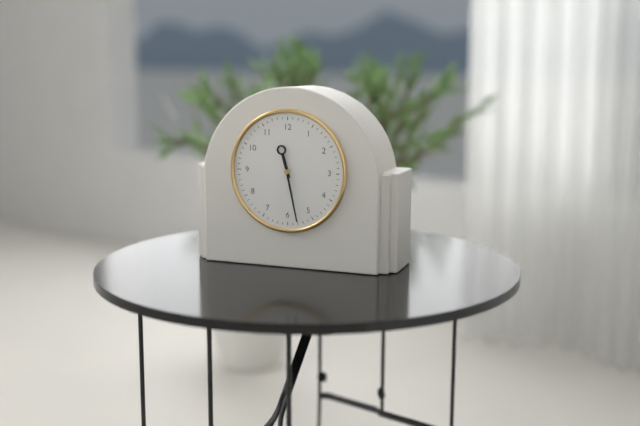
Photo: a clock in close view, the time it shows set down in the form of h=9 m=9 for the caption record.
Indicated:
h=11 m=28
